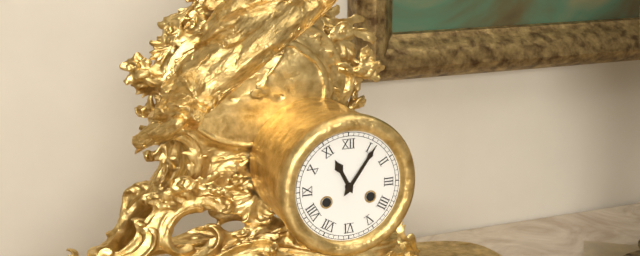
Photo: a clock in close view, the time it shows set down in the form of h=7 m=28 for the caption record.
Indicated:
h=11 m=6
